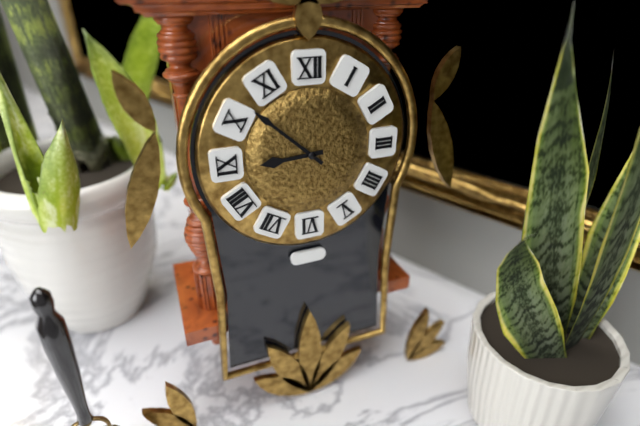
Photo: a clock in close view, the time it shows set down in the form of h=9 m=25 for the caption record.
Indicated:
h=8 m=52
